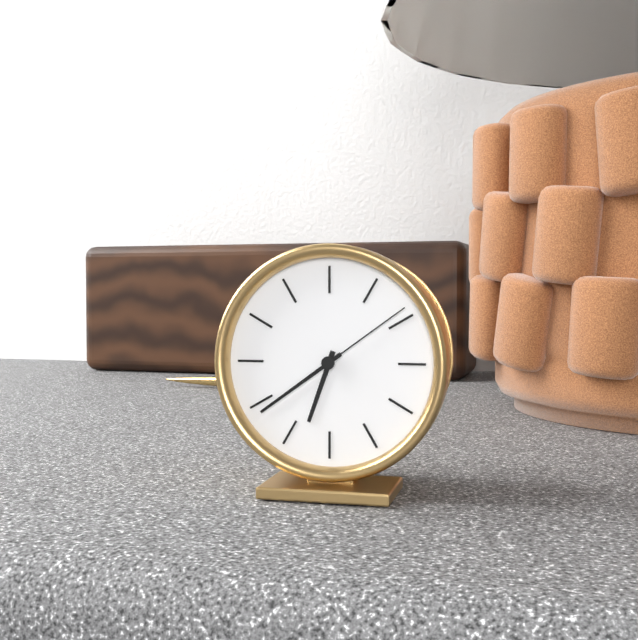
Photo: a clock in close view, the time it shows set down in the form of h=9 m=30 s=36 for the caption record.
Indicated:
h=6 m=39 s=9
